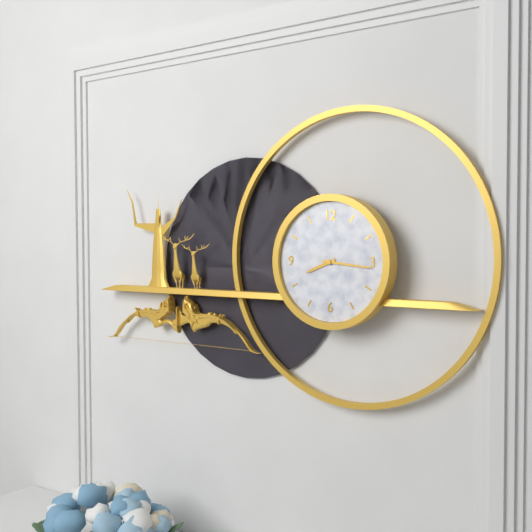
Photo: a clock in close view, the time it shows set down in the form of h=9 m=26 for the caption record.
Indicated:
h=8 m=16
